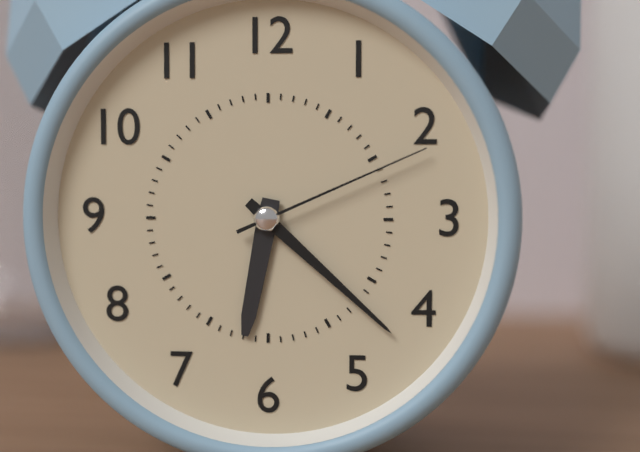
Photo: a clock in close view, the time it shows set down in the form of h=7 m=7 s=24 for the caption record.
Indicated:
h=6 m=22 s=11
